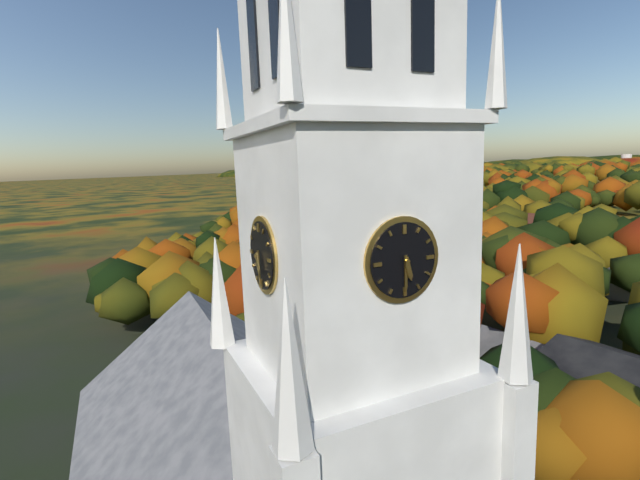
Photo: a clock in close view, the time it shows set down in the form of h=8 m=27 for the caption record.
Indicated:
h=5 m=30
